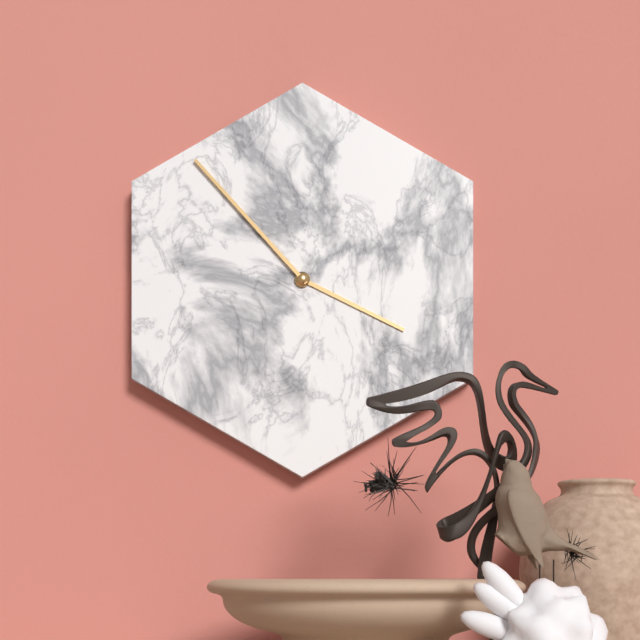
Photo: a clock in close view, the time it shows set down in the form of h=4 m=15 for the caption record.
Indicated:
h=3 m=53
